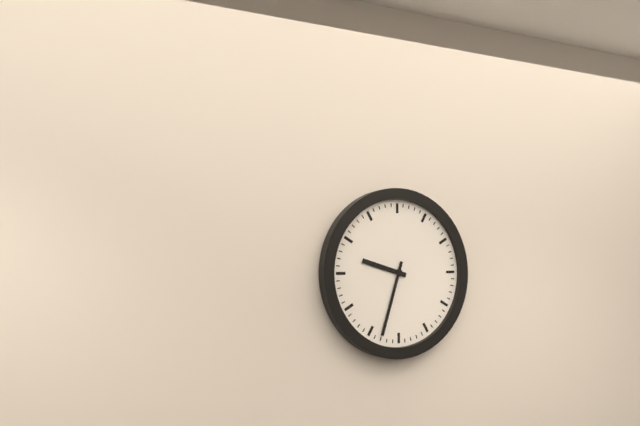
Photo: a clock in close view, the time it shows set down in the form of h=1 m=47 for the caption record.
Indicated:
h=9 m=33
